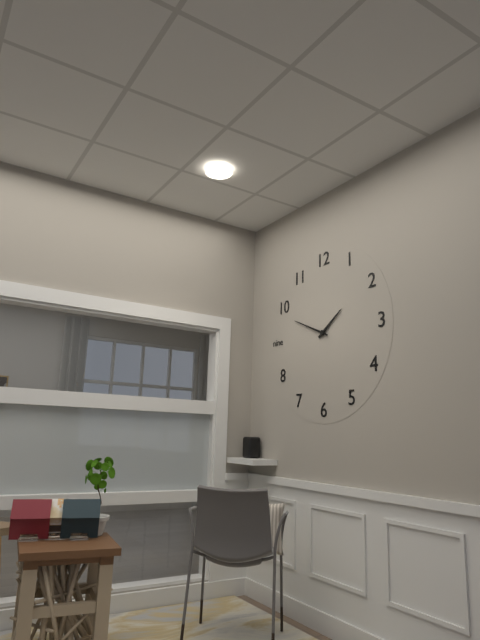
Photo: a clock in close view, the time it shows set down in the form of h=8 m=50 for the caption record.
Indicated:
h=1 m=49
